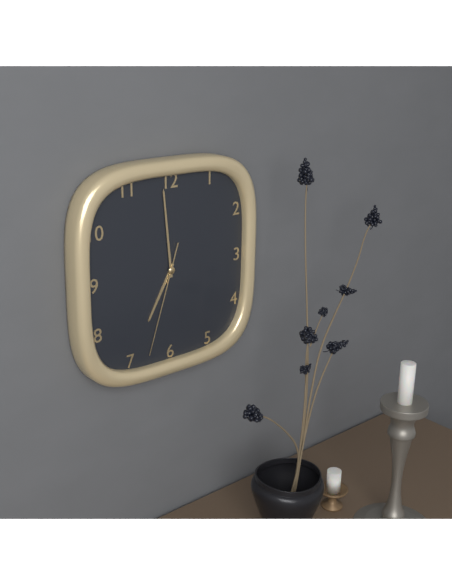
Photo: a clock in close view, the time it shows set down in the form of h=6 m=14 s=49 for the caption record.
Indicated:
h=6 m=59 s=33
